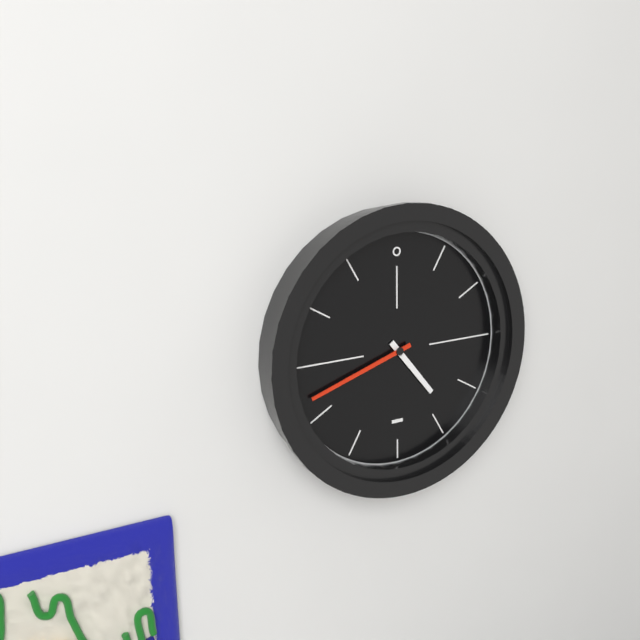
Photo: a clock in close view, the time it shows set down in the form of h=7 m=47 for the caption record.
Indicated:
h=4 m=42
